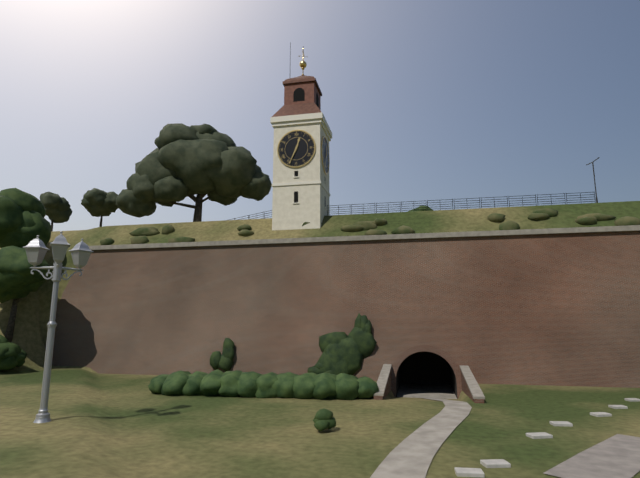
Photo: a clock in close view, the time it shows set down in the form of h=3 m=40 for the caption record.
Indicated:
h=12 m=34
